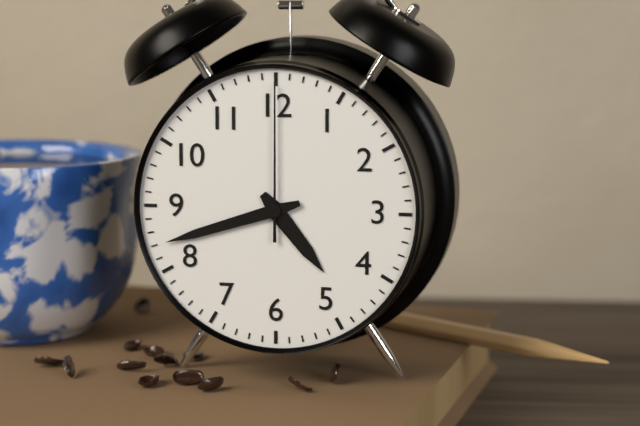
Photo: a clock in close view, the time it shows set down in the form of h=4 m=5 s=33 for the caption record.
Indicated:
h=4 m=42 s=0
